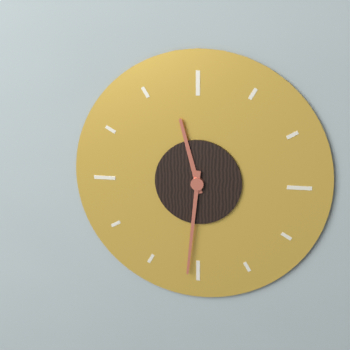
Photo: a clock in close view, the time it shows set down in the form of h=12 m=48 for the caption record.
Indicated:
h=11 m=31
